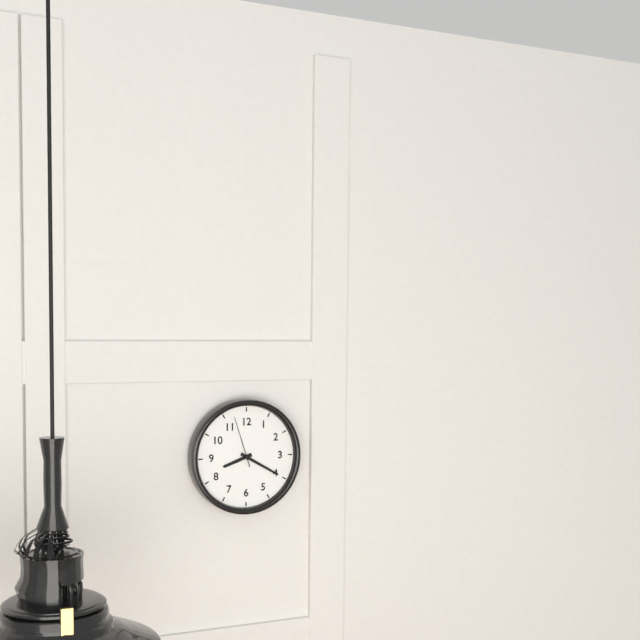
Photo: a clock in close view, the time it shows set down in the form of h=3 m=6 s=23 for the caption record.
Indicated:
h=8 m=20 s=57
